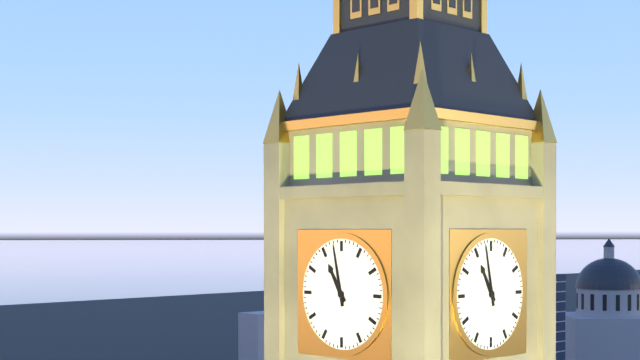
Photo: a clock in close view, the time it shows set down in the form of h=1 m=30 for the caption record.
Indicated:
h=10 m=58
